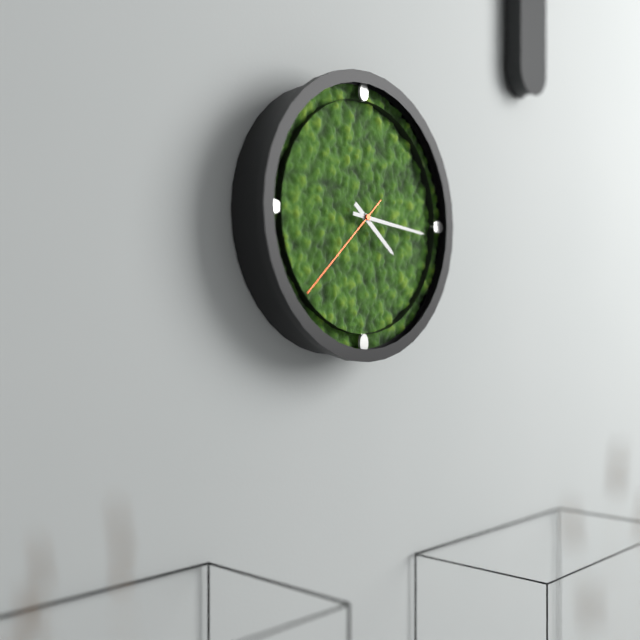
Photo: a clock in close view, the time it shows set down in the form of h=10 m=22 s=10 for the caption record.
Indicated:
h=4 m=16 s=38
